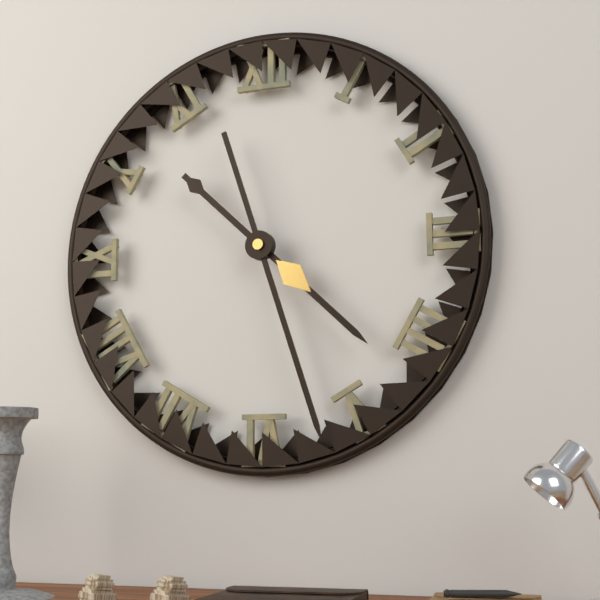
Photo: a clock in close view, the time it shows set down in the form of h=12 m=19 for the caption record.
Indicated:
h=4 m=27
